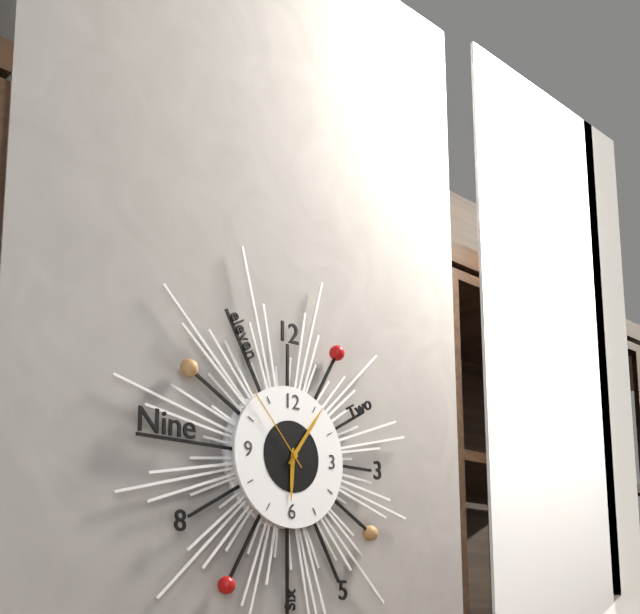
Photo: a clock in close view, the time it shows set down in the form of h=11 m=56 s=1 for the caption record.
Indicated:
h=6 m=6 s=53
